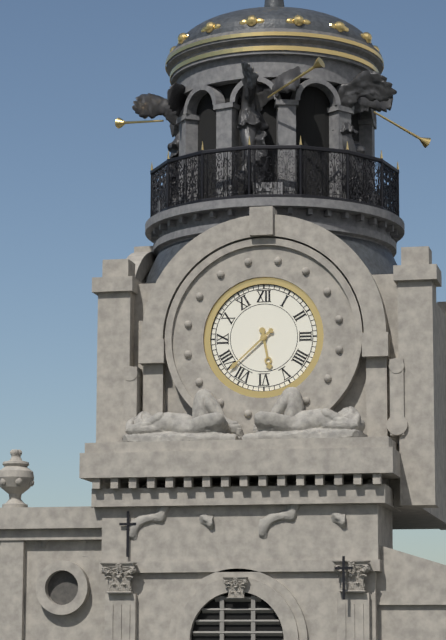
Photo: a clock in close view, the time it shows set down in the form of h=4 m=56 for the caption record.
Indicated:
h=5 m=38
